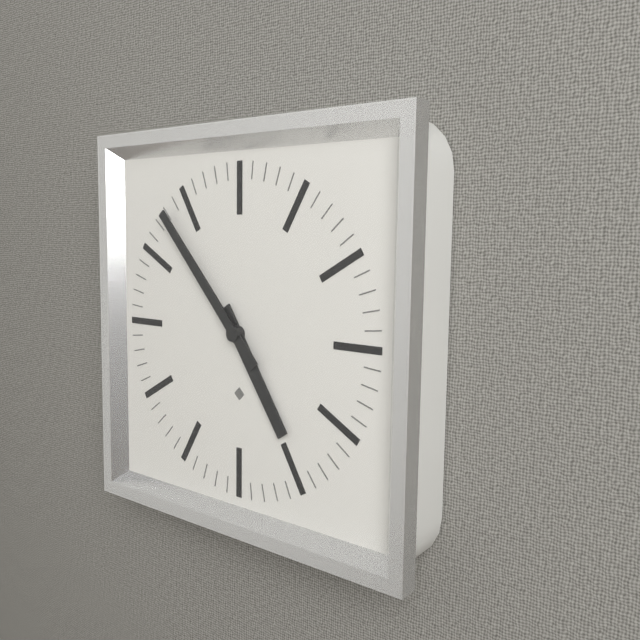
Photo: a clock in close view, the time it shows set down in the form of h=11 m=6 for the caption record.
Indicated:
h=4 m=53
